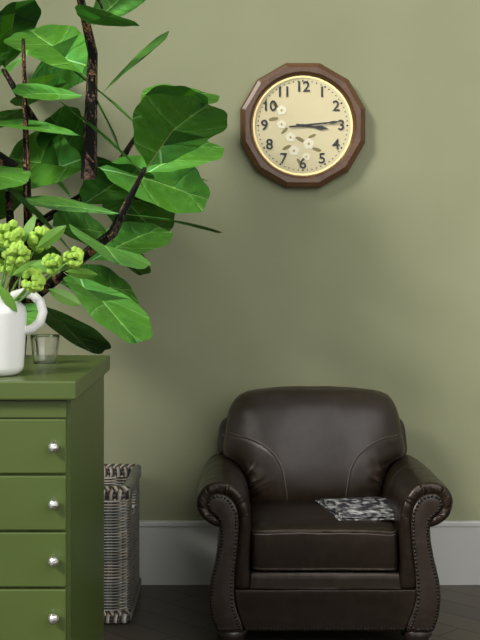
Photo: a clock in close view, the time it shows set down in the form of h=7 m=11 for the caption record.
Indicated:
h=3 m=14
